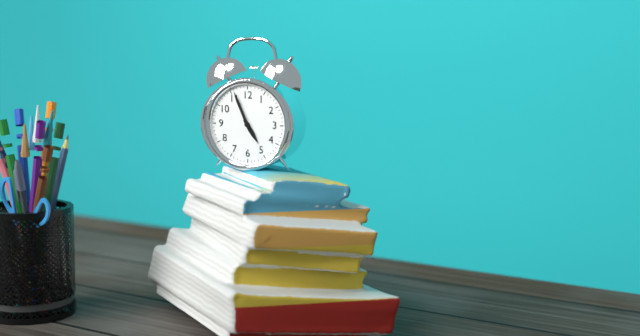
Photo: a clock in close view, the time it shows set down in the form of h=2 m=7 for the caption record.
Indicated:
h=4 m=56
